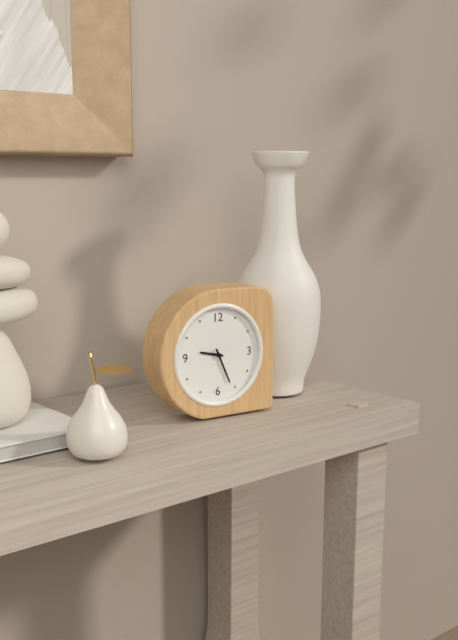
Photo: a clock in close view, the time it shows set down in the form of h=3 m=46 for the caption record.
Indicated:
h=9 m=26
